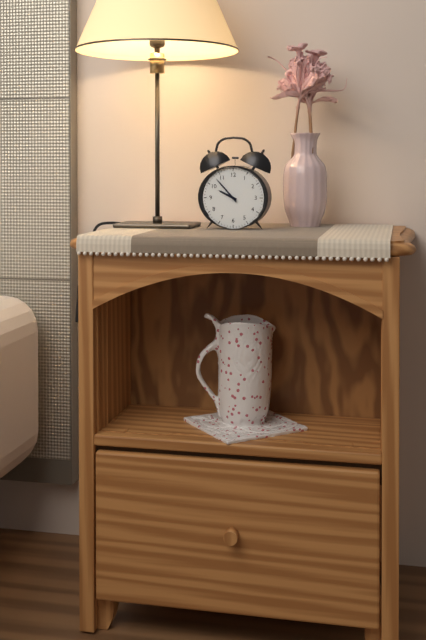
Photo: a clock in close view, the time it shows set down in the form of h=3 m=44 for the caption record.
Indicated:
h=9 m=53
